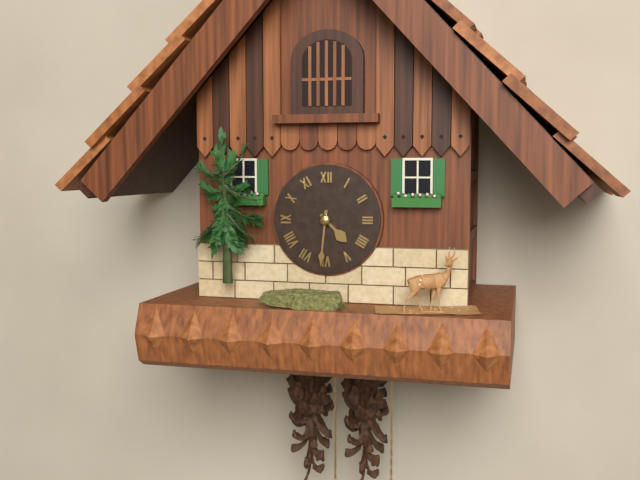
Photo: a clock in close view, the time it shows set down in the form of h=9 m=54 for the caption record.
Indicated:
h=4 m=31
